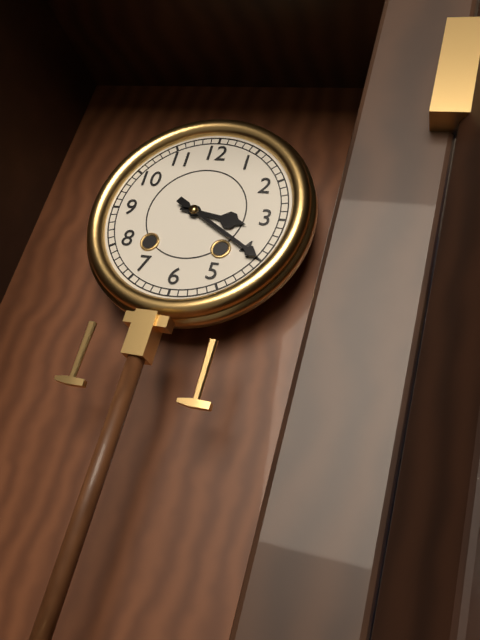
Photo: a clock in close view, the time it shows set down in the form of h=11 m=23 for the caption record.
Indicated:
h=3 m=20
